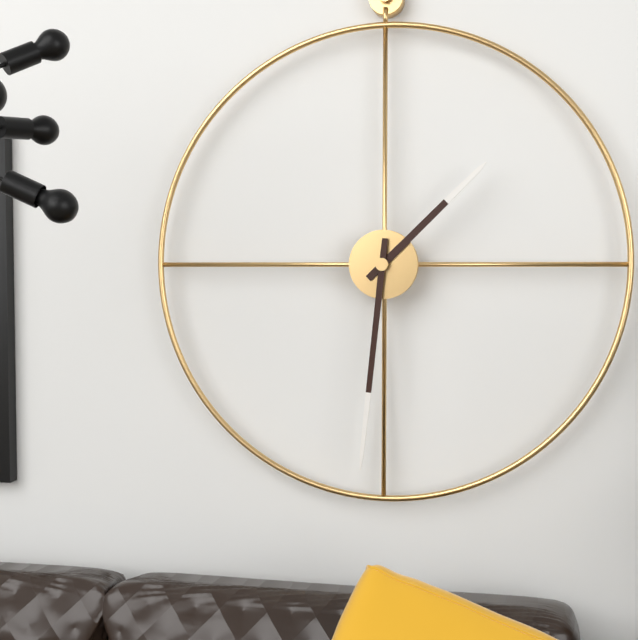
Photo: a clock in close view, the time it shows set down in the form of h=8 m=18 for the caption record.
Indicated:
h=1 m=31
